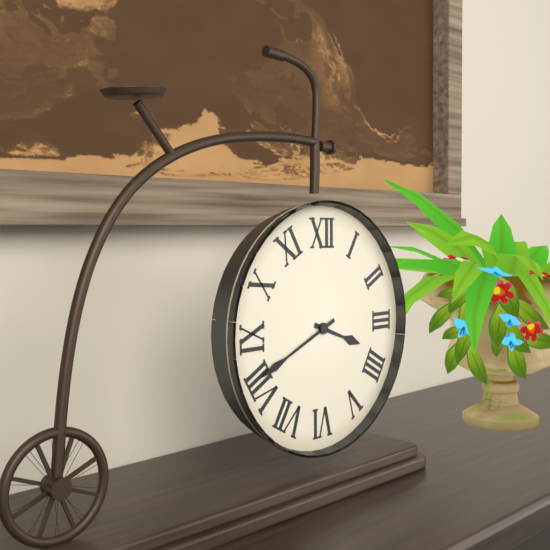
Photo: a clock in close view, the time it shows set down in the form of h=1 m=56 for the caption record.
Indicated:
h=3 m=41
